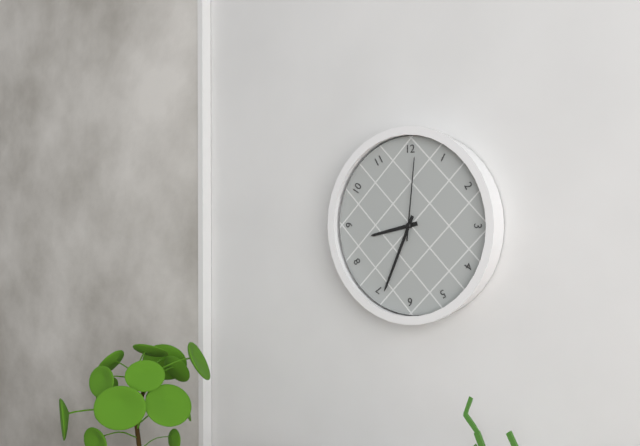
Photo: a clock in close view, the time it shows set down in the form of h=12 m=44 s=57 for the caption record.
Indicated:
h=8 m=34 s=1
